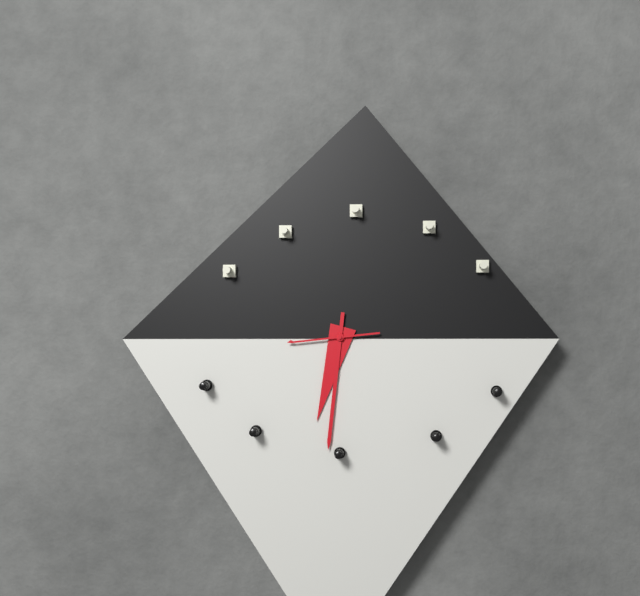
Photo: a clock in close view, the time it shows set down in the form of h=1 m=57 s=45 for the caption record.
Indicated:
h=6 m=31 s=44
